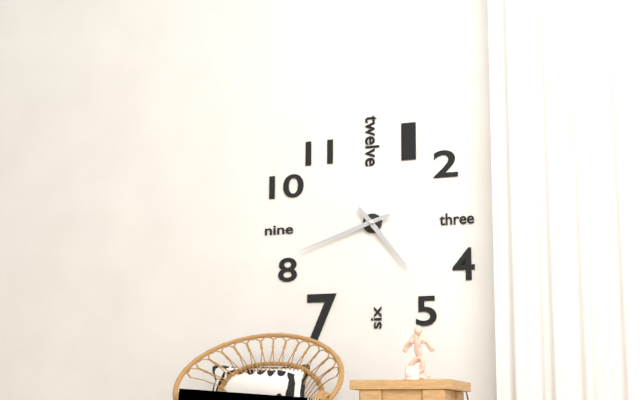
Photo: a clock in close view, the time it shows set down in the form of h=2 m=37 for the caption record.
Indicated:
h=4 m=42
